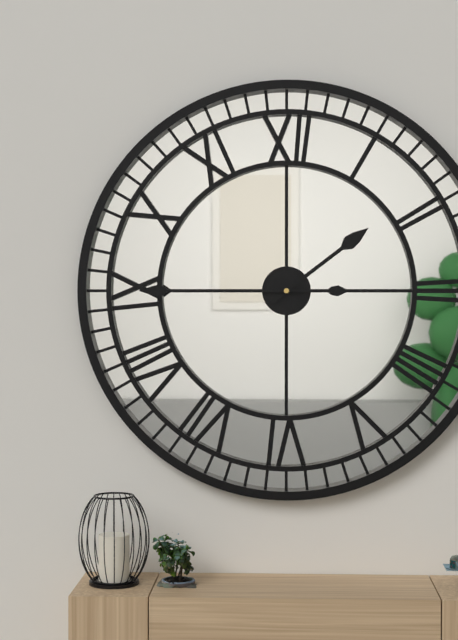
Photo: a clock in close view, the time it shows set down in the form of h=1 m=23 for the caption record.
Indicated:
h=1 m=45
